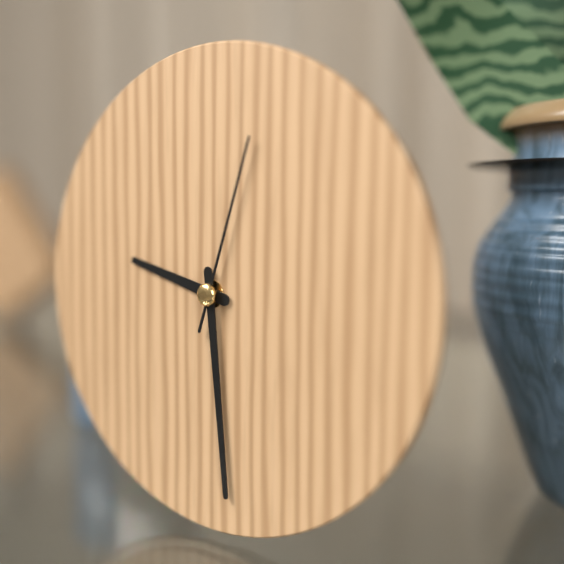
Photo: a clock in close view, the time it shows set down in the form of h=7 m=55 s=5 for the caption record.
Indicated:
h=9 m=29 s=3
